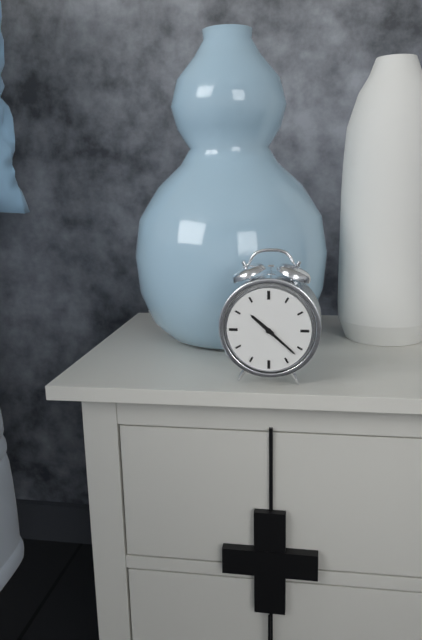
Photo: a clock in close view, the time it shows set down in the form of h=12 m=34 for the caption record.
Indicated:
h=10 m=22
